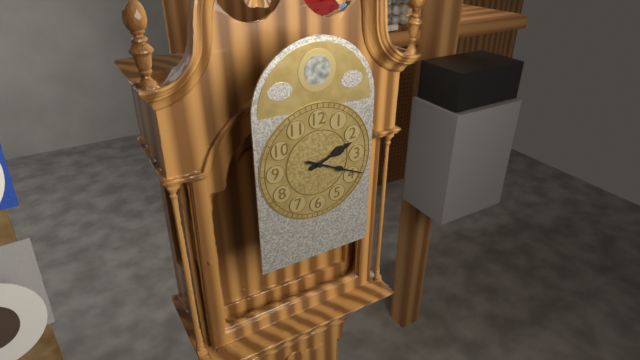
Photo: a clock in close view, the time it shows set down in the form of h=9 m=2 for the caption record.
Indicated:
h=2 m=19
